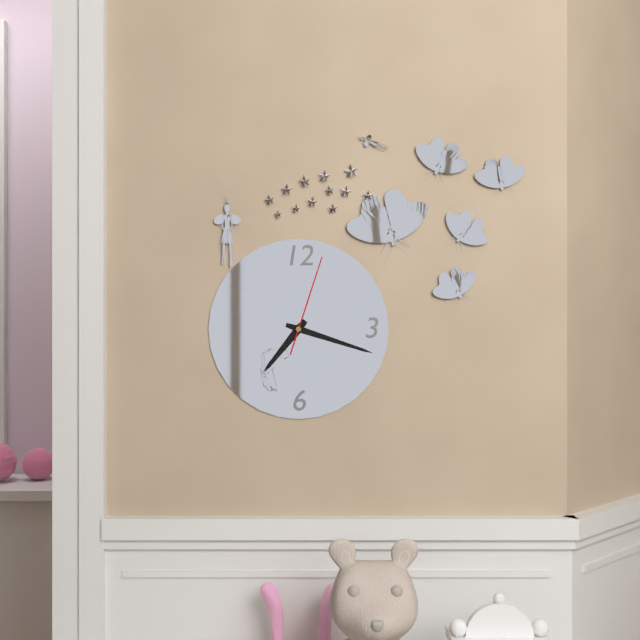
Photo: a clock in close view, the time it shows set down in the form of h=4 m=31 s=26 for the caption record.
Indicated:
h=7 m=18 s=3
